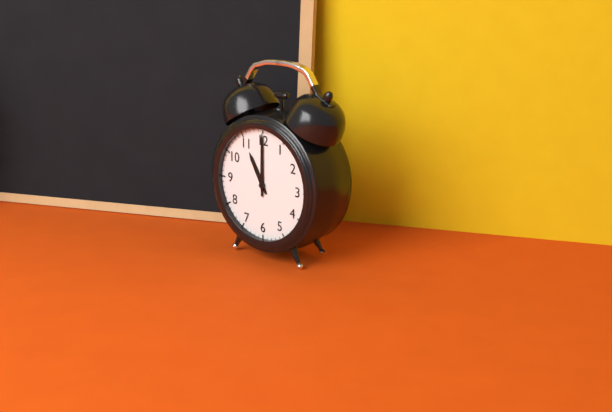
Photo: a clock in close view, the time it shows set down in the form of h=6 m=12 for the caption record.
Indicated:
h=11 m=0
